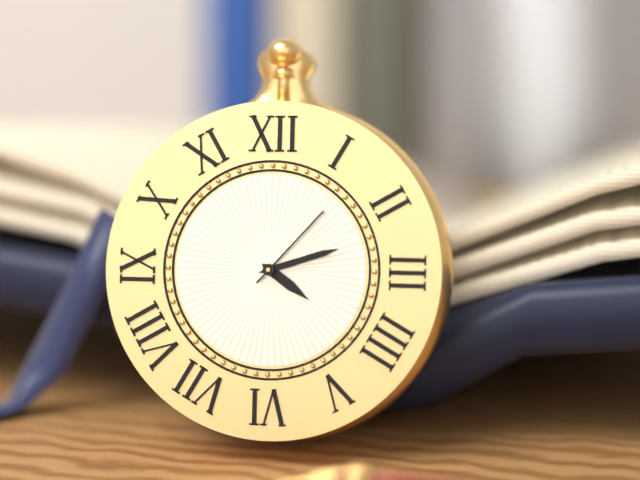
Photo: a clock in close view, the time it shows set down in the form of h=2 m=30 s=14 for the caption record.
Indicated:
h=4 m=12 s=7
